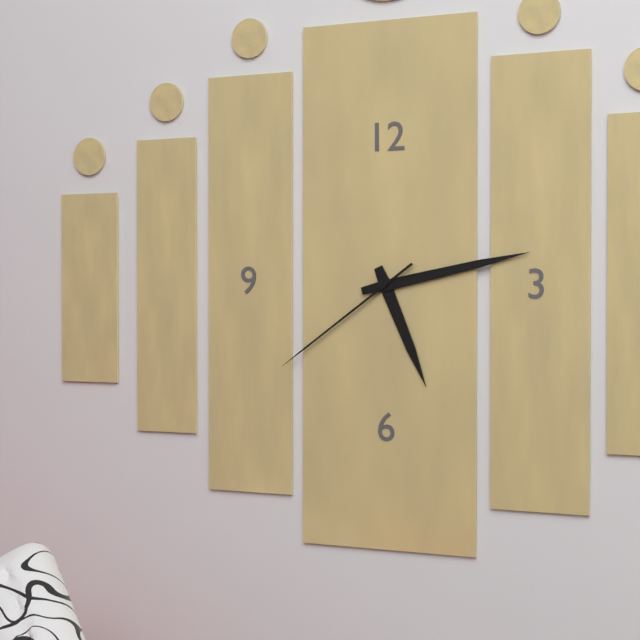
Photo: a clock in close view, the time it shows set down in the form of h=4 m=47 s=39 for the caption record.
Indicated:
h=5 m=13 s=39
